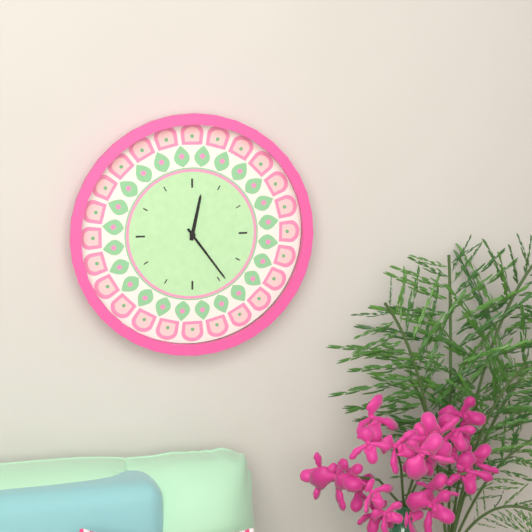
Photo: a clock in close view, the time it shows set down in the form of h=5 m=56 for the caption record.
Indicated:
h=12 m=24
